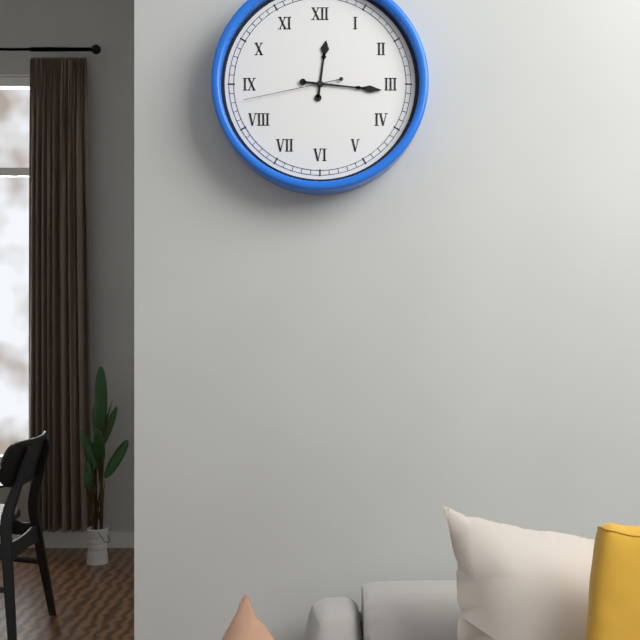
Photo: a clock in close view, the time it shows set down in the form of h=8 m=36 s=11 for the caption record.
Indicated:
h=12 m=16 s=43
